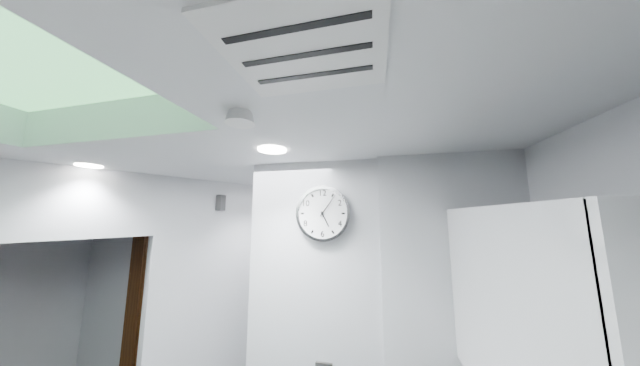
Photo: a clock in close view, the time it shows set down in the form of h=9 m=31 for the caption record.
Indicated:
h=5 m=6
